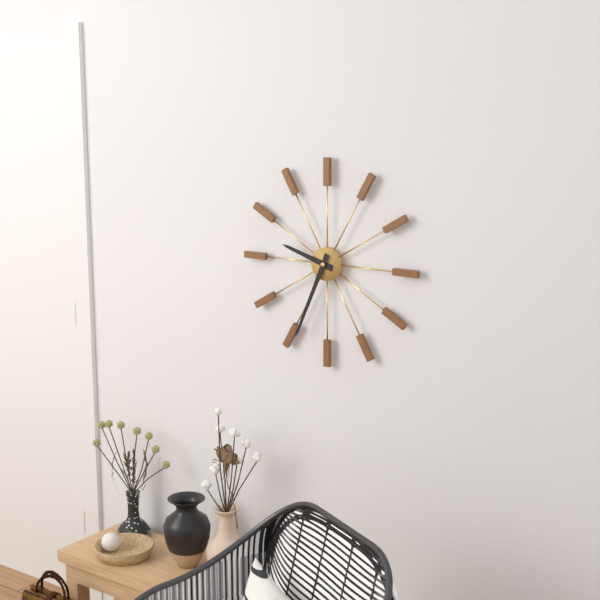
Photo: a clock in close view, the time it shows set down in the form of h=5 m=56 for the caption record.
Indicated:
h=9 m=34
